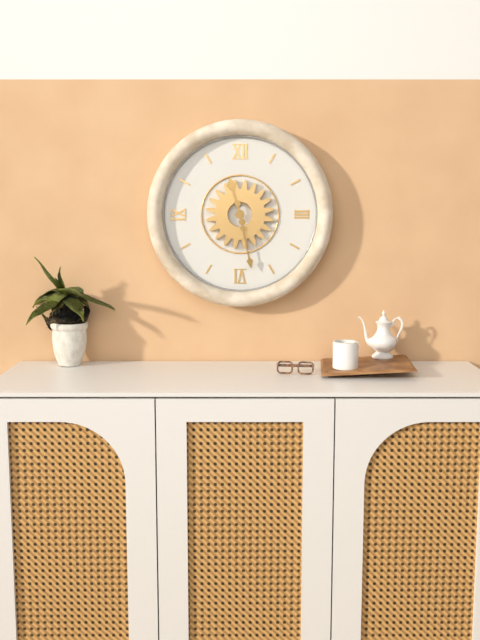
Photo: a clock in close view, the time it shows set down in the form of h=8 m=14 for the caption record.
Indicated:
h=11 m=28
